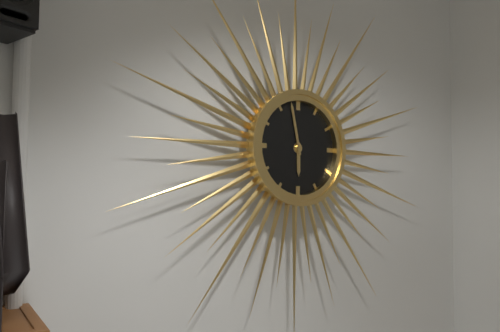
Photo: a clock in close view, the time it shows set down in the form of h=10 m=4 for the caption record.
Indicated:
h=5 m=58
